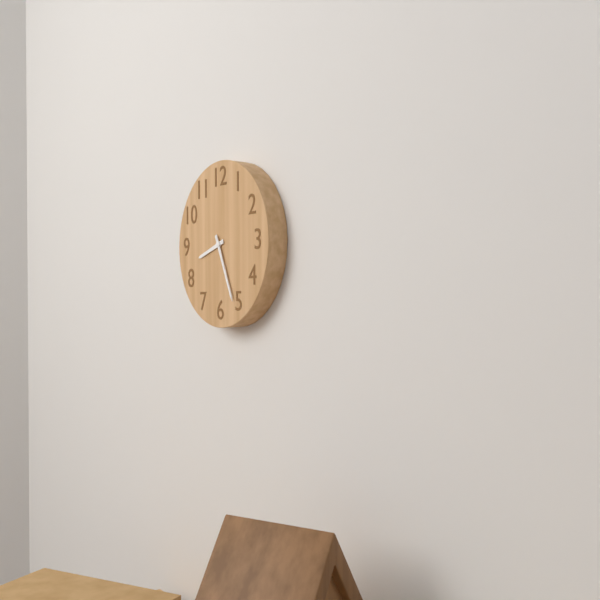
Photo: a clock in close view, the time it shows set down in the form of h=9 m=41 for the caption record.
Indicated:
h=8 m=26
